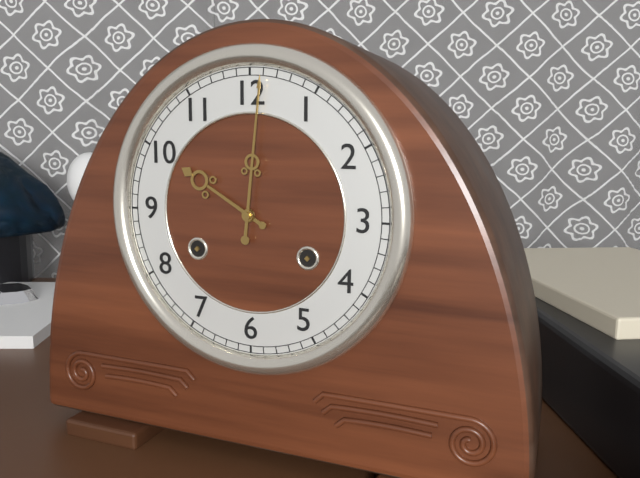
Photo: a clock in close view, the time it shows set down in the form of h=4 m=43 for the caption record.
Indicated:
h=10 m=1
